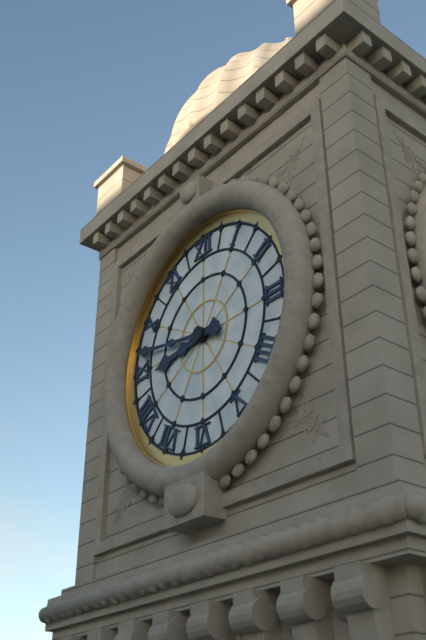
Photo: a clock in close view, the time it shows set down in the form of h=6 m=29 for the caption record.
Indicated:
h=8 m=47
